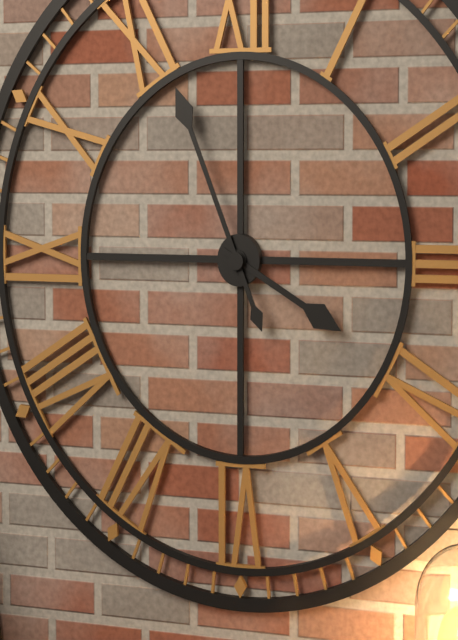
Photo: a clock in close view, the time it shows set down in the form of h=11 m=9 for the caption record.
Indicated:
h=3 m=56
